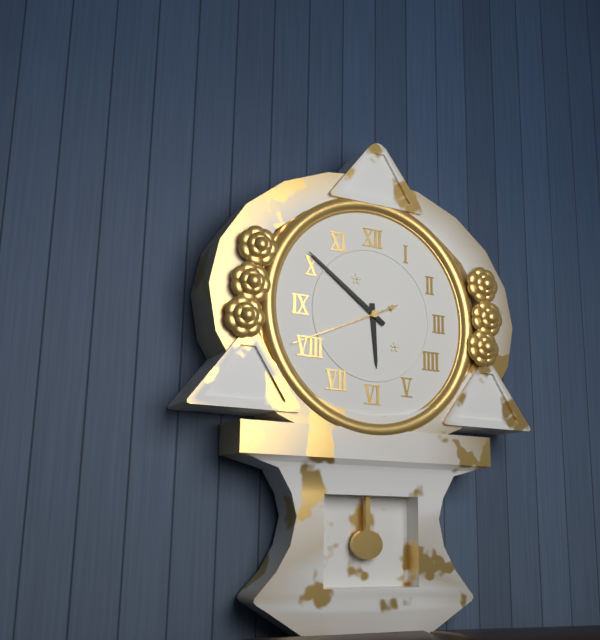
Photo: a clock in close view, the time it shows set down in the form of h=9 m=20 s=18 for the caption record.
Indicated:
h=5 m=51 s=41
